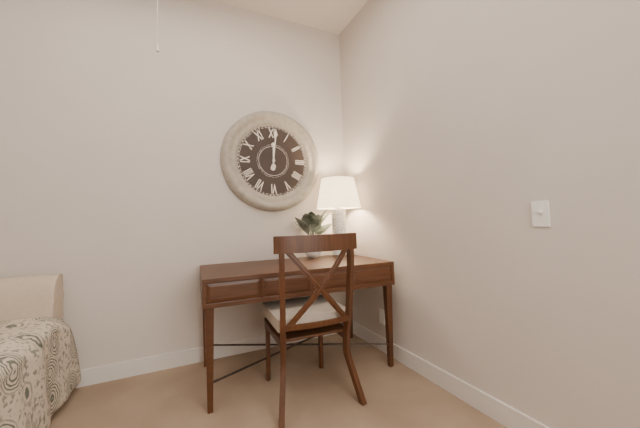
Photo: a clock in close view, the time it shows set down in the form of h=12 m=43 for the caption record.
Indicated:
h=12 m=1
